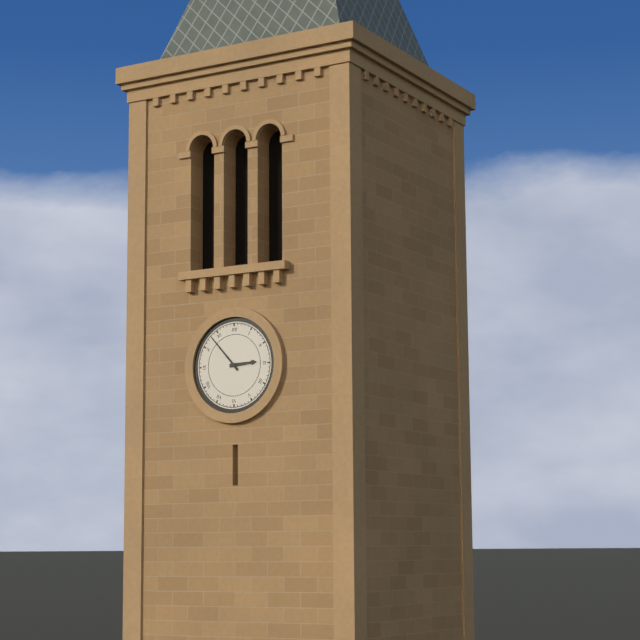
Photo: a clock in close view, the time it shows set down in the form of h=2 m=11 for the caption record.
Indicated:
h=2 m=53
